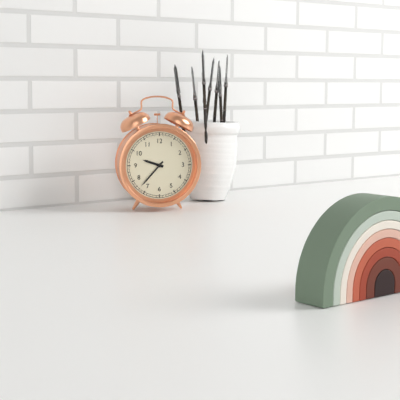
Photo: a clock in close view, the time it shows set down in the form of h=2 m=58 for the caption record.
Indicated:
h=9 m=37
